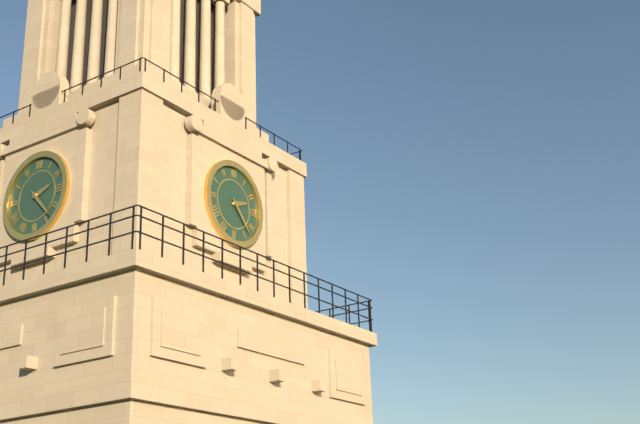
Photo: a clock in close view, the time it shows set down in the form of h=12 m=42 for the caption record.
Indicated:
h=2 m=23
